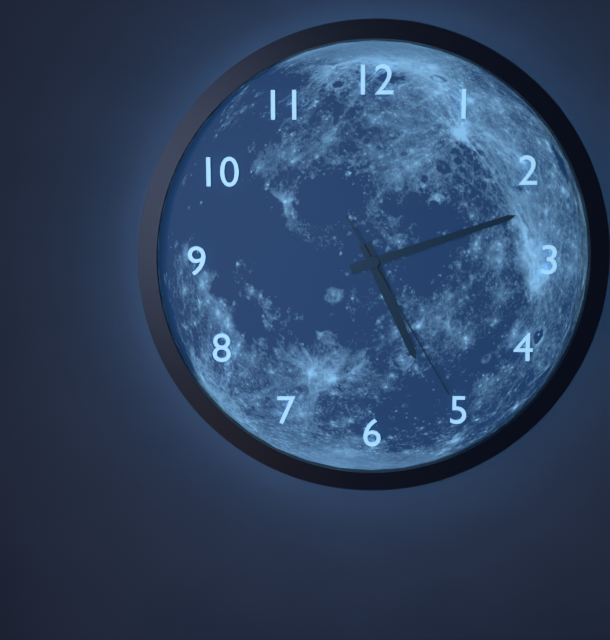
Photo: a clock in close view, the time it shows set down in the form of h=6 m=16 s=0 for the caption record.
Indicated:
h=5 m=12 s=25
